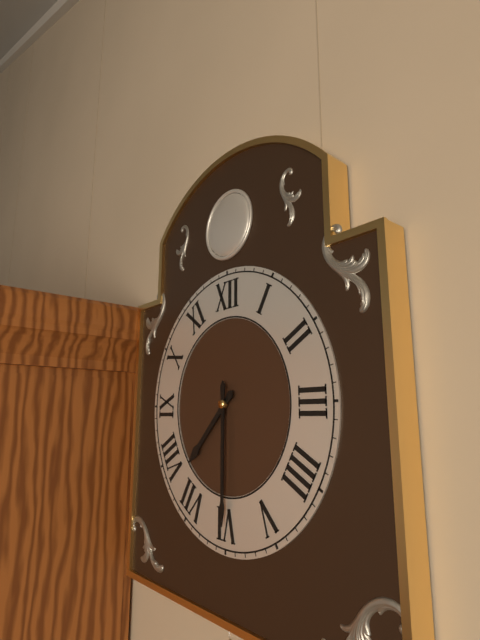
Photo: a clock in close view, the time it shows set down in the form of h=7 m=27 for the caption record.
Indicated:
h=7 m=30
